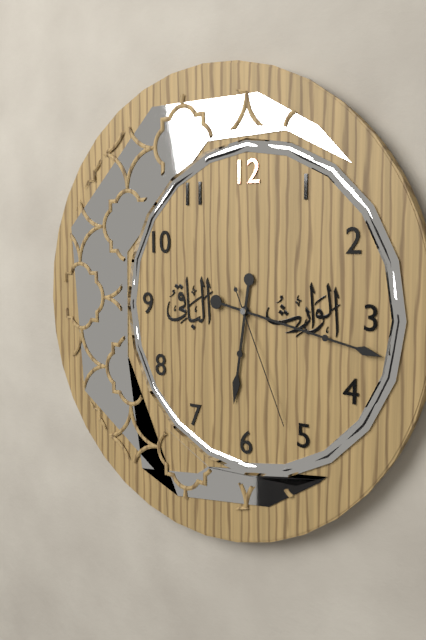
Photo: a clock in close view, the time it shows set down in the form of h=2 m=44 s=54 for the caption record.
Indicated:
h=6 m=17 s=26
